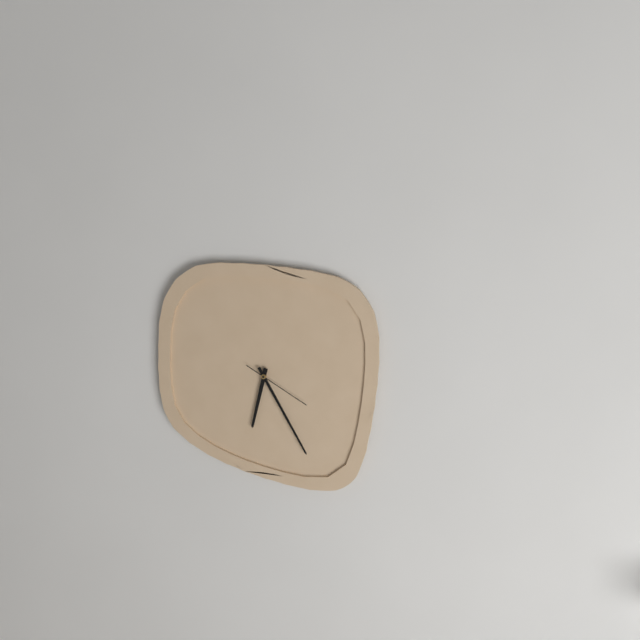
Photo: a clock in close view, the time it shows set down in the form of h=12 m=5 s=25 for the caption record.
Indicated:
h=6 m=25 s=20
